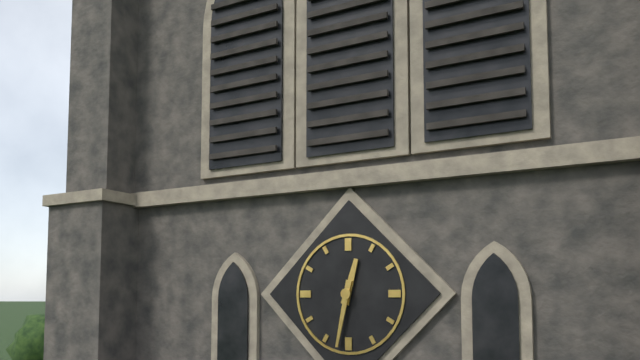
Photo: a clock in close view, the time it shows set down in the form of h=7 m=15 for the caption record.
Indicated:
h=12 m=32
